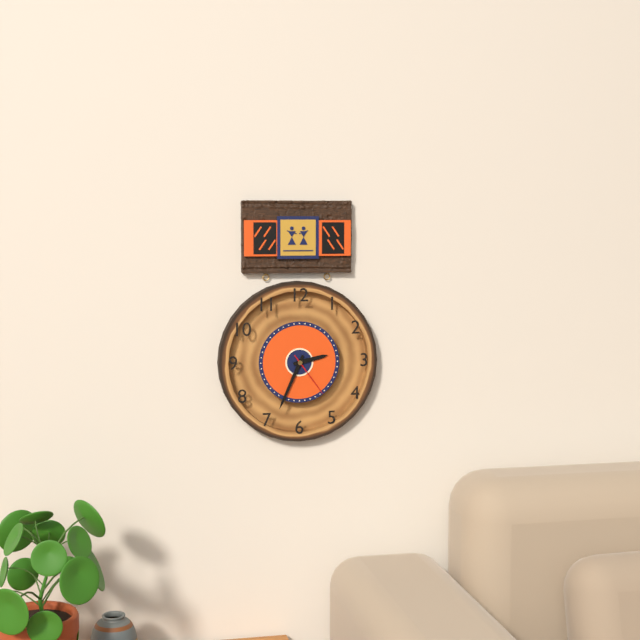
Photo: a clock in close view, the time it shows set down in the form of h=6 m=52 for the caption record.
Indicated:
h=2 m=34
